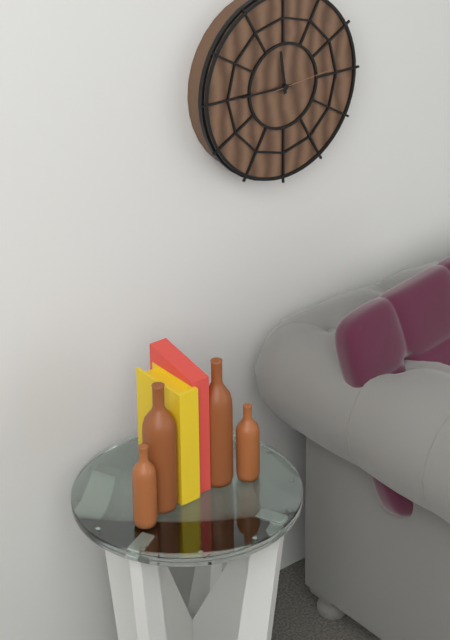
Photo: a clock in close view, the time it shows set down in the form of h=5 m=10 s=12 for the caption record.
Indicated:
h=11 m=45 s=14
